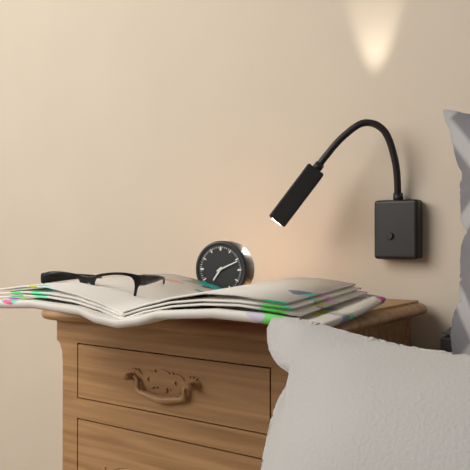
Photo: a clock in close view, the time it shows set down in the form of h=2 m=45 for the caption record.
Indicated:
h=7 m=11
